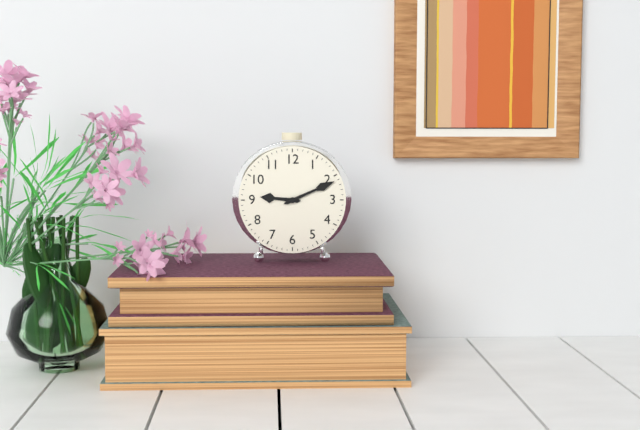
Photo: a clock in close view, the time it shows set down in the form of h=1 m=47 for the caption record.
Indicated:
h=9 m=11
